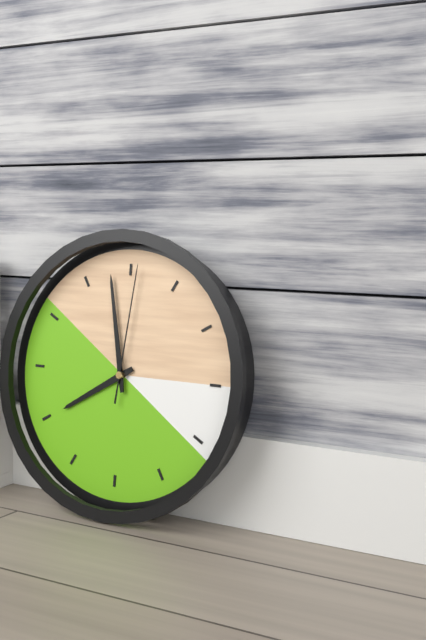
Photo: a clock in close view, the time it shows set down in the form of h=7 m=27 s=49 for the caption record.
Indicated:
h=7 m=58 s=1
